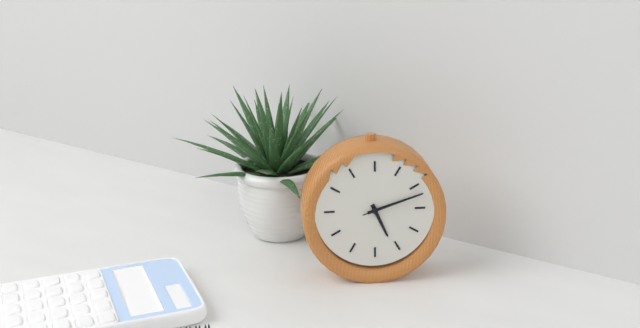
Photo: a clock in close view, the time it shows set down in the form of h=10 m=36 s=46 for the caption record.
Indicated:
h=5 m=12 s=12
